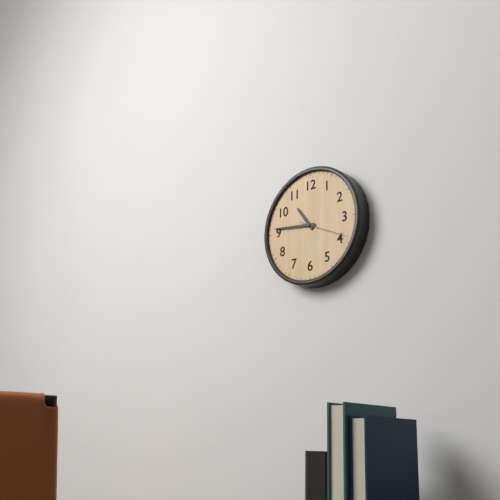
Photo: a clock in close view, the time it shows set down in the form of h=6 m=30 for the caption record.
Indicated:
h=10 m=46
